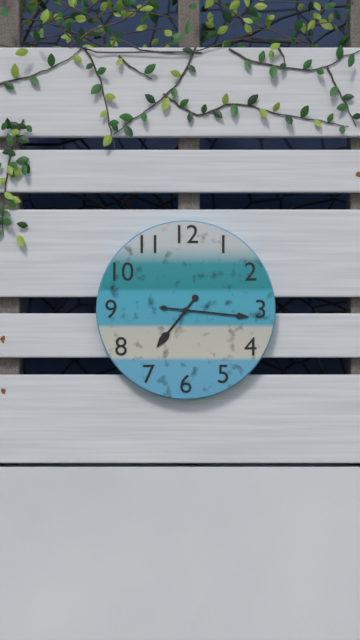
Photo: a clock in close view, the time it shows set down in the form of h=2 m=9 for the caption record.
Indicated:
h=7 m=16
